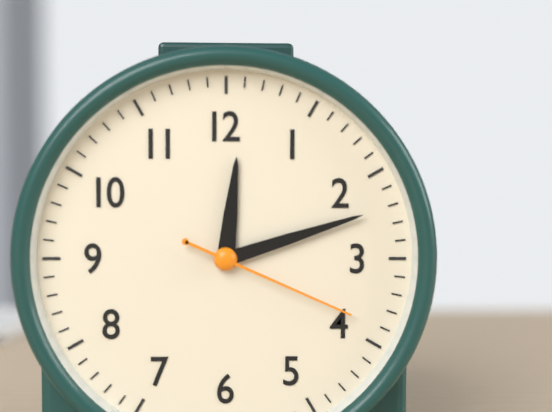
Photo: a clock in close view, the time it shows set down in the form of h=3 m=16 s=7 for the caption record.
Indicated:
h=12 m=12 s=19
